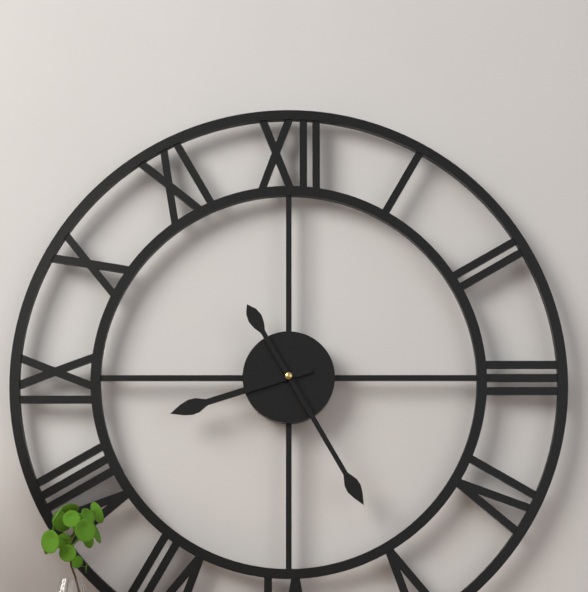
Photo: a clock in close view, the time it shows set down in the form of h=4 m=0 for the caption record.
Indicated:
h=8 m=25
